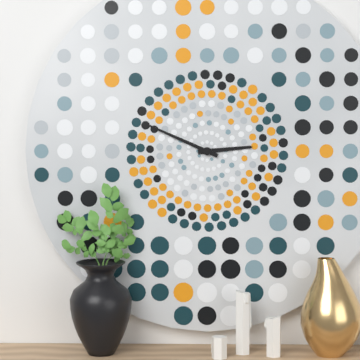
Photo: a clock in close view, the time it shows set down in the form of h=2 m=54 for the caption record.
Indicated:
h=2 m=49
